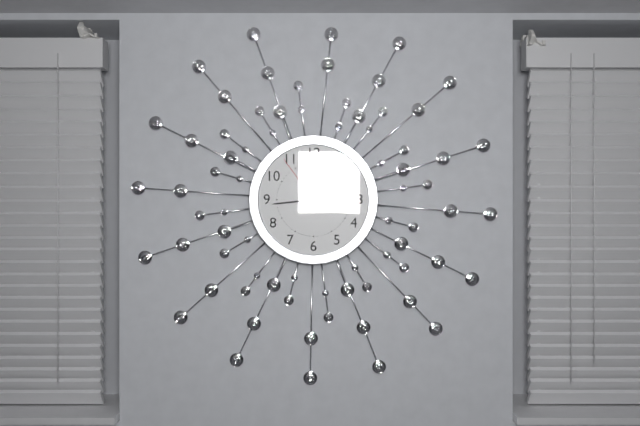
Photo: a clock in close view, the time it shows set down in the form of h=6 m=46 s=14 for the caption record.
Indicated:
h=1 m=44 s=54
